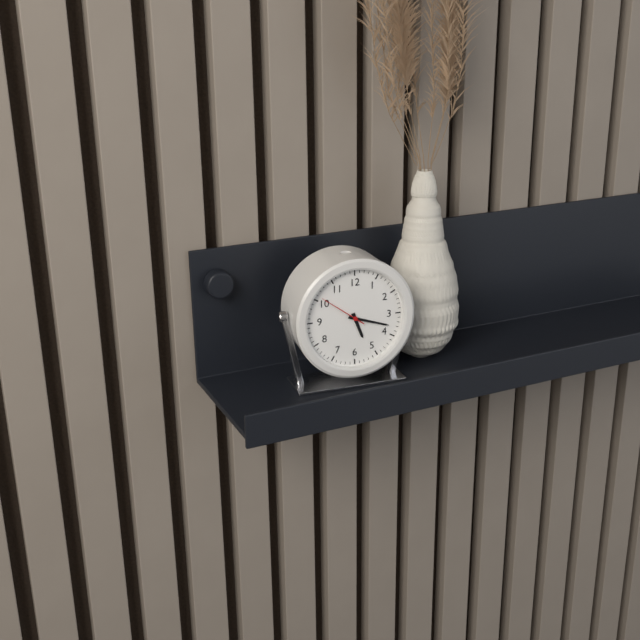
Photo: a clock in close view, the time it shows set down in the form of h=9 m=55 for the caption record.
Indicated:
h=5 m=18
